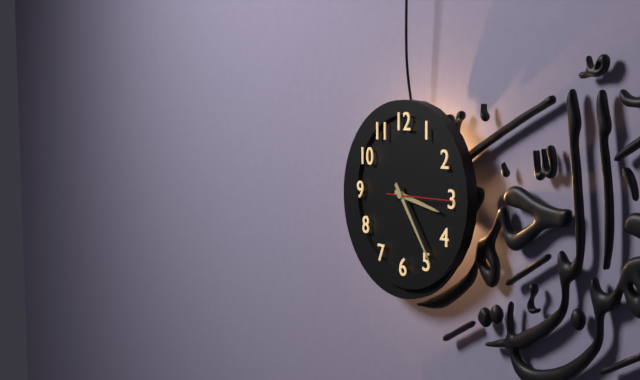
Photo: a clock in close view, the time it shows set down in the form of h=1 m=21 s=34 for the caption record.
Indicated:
h=3 m=24 s=15
